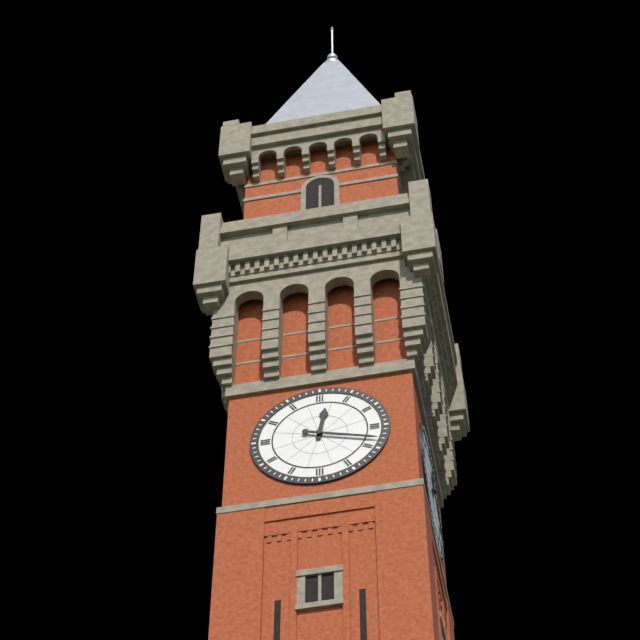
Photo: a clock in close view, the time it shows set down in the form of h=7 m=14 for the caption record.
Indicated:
h=12 m=18
